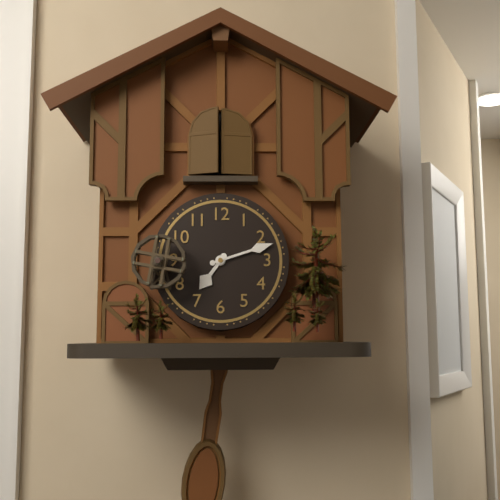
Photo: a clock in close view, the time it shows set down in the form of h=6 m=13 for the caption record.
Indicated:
h=7 m=12
